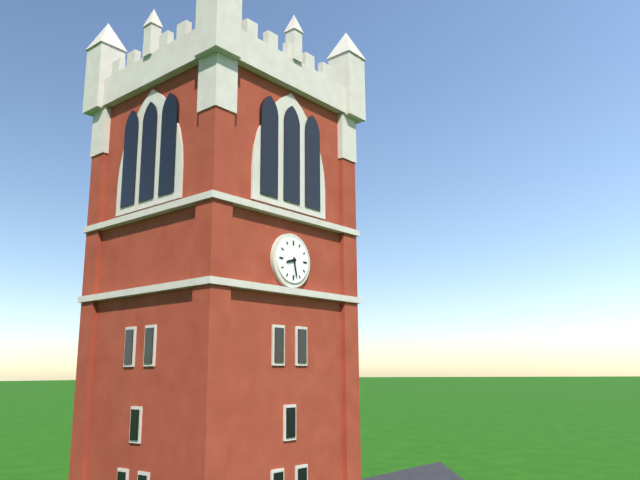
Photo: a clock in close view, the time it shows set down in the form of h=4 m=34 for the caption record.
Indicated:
h=8 m=28
